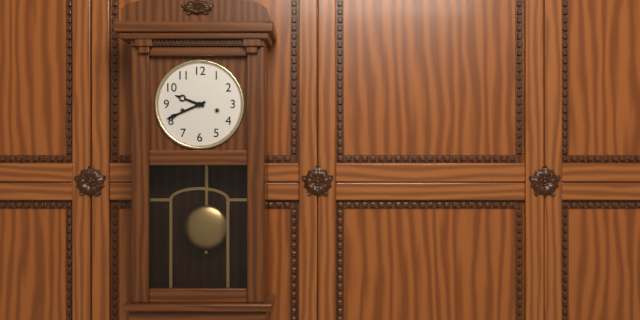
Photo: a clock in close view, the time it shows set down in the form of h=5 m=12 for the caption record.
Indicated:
h=9 m=41
